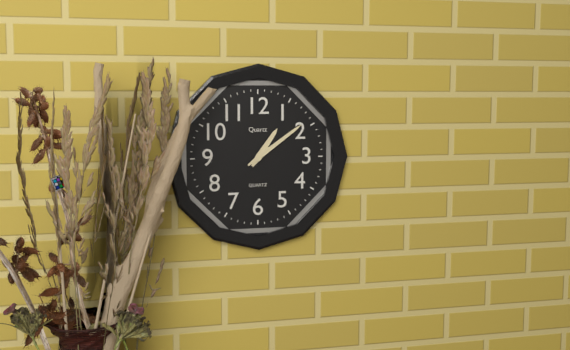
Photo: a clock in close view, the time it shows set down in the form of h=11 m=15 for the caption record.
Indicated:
h=1 m=9
